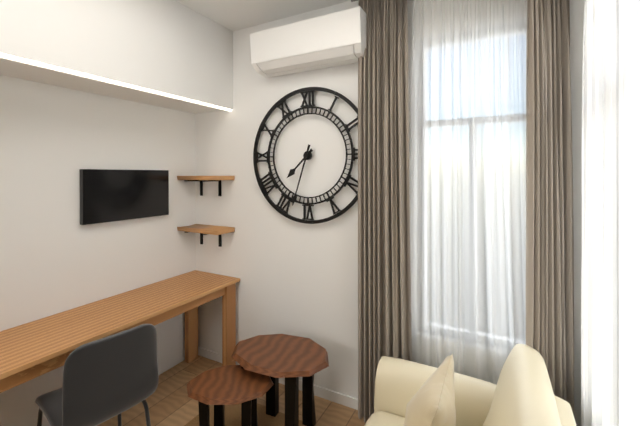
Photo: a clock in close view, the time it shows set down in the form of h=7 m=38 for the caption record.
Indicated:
h=7 m=33
